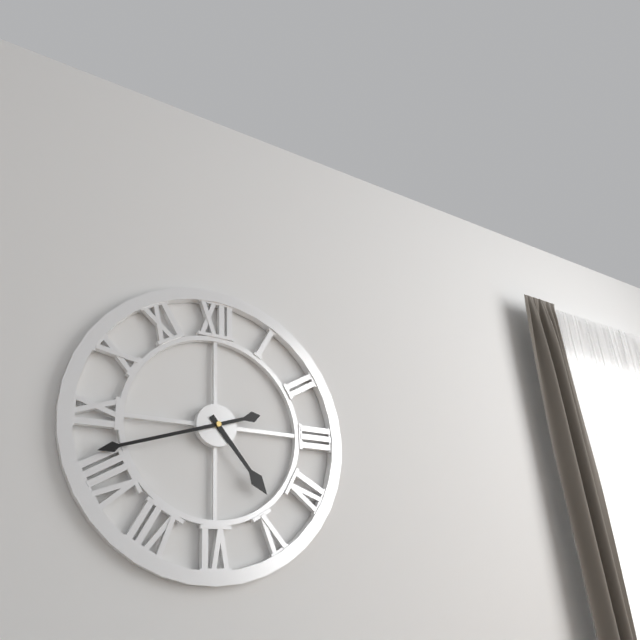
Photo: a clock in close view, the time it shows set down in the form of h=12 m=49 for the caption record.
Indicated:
h=4 m=42
